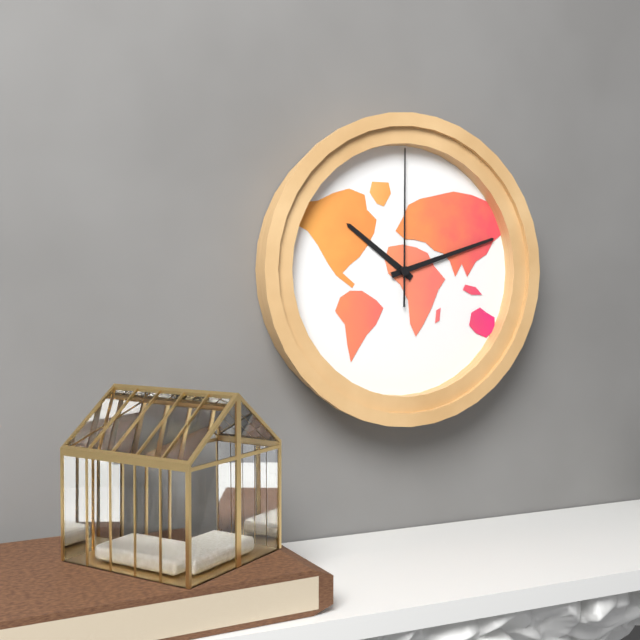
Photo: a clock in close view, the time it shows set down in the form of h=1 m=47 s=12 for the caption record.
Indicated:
h=10 m=12 s=0
